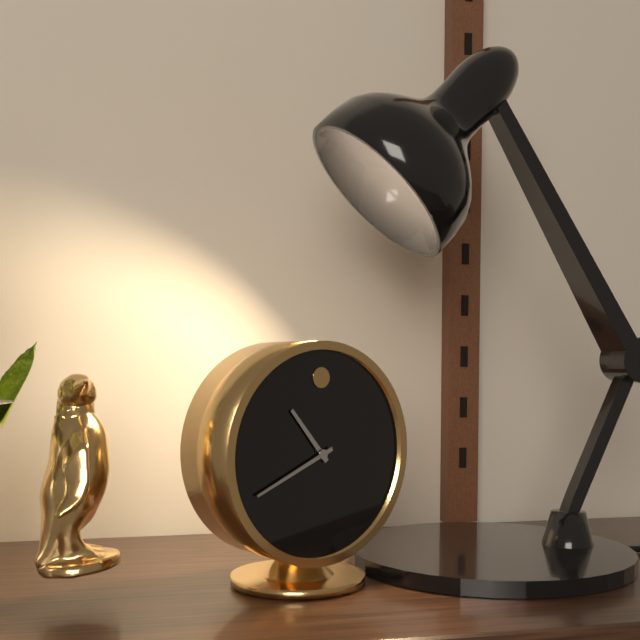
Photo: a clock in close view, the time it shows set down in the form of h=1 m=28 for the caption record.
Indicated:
h=10 m=41
